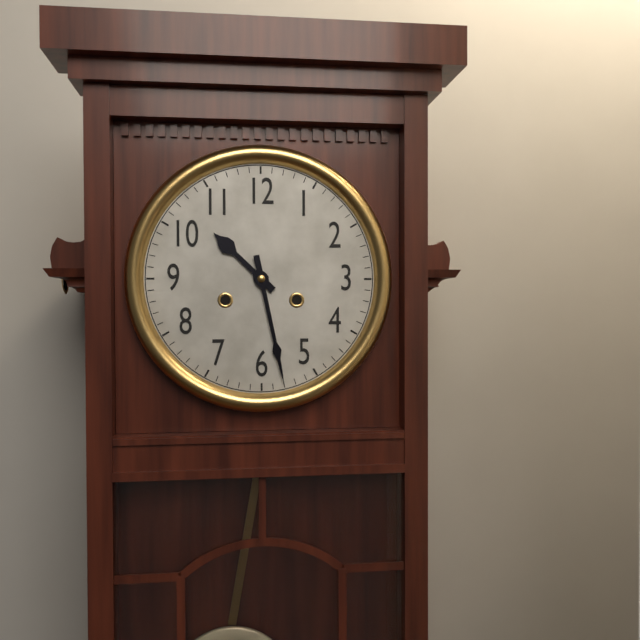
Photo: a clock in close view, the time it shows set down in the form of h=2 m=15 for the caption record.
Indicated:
h=10 m=28
